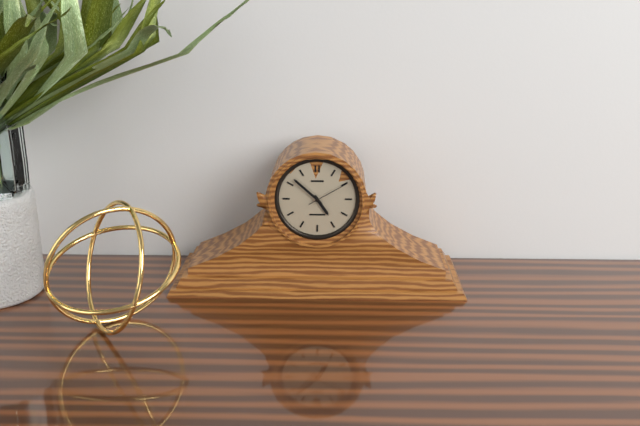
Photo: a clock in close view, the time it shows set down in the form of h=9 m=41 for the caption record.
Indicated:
h=4 m=52
